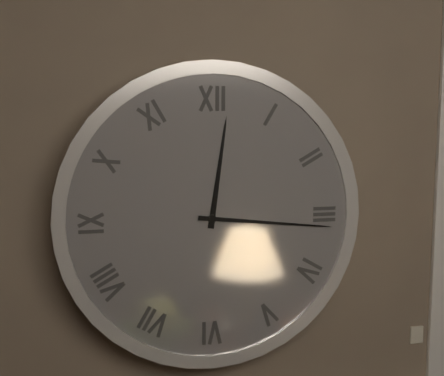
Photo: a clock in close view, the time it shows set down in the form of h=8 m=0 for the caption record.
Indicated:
h=12 m=16
